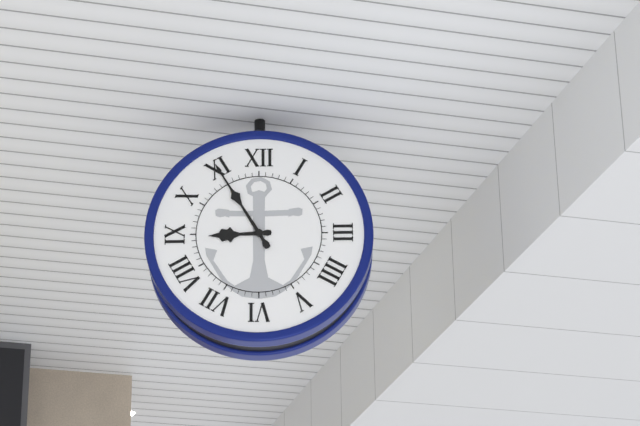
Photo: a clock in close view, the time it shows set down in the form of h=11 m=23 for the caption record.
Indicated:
h=8 m=55
